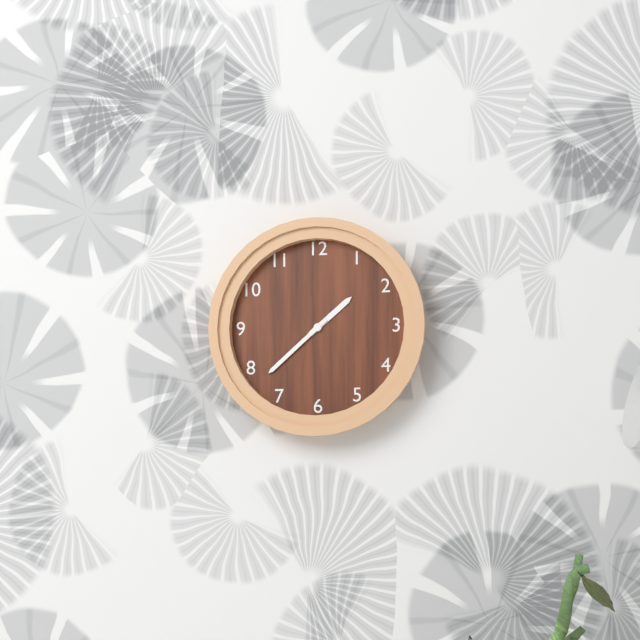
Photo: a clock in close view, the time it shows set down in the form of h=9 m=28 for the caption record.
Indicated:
h=1 m=38
